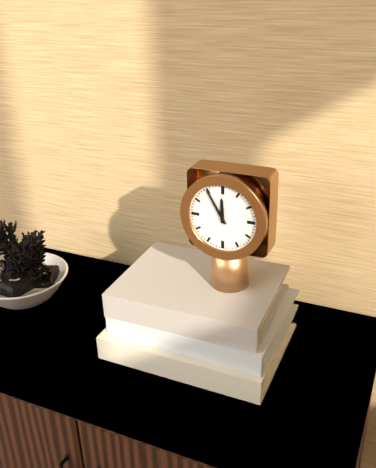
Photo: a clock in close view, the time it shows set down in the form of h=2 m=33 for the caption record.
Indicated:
h=11 m=55
